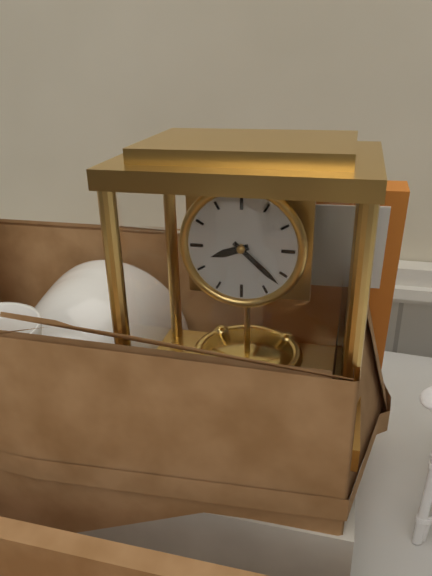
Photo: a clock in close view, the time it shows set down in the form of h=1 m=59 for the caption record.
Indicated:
h=8 m=22
